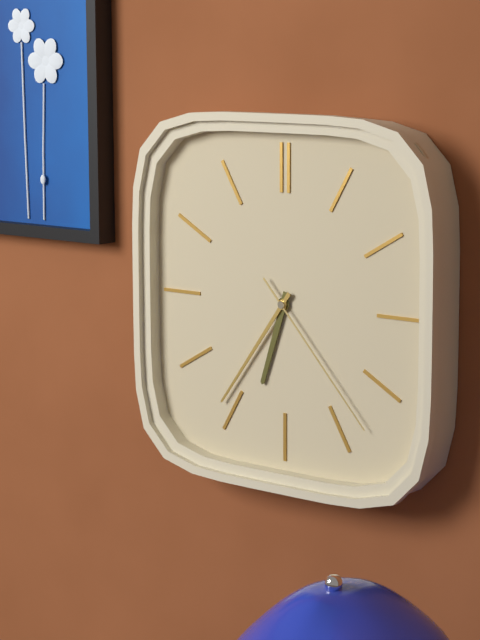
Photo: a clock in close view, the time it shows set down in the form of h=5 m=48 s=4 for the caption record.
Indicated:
h=6 m=36 s=23
